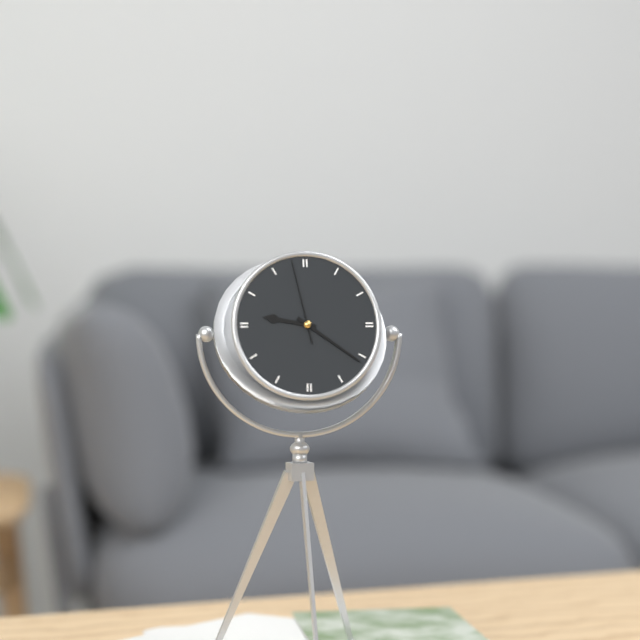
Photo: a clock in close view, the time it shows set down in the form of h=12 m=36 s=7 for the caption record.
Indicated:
h=9 m=21 s=58
